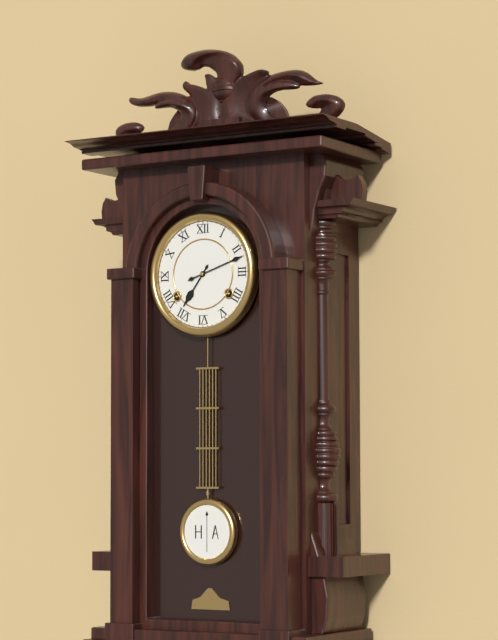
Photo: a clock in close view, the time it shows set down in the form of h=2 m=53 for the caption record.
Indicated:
h=7 m=12
